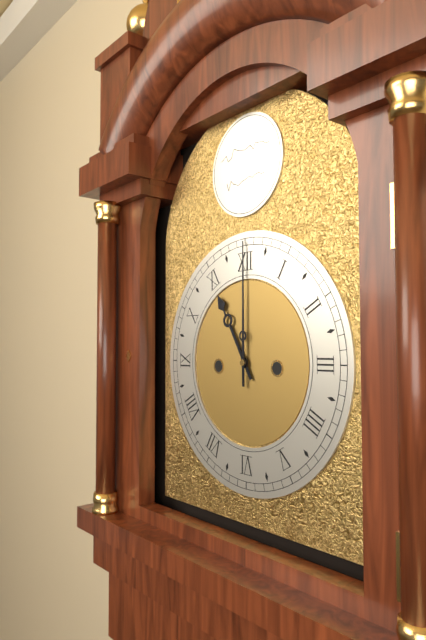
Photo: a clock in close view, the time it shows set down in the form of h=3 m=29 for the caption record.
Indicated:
h=11 m=0
